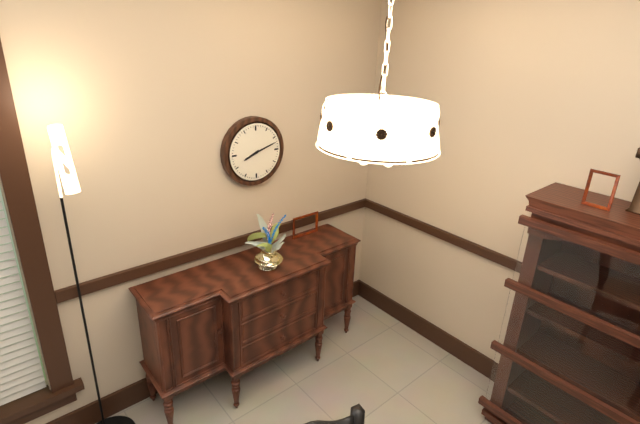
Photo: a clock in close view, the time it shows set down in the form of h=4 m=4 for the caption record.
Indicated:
h=8 m=12
